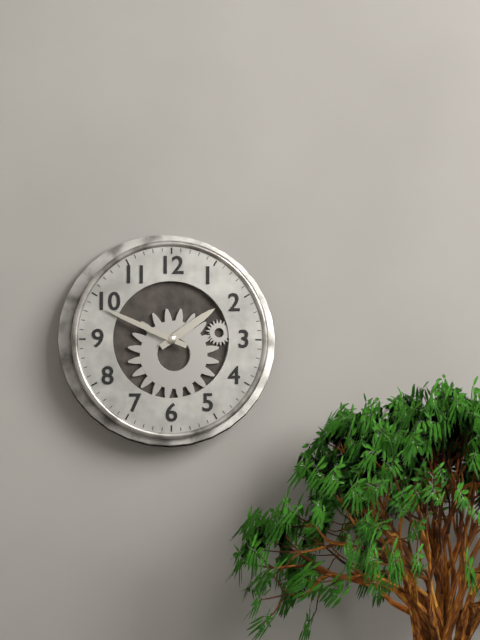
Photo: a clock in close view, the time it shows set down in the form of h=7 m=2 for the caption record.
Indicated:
h=1 m=49
